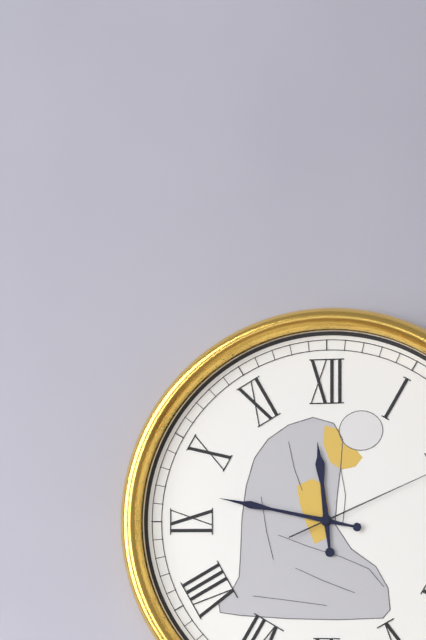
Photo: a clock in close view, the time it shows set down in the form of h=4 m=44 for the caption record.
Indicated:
h=11 m=47
